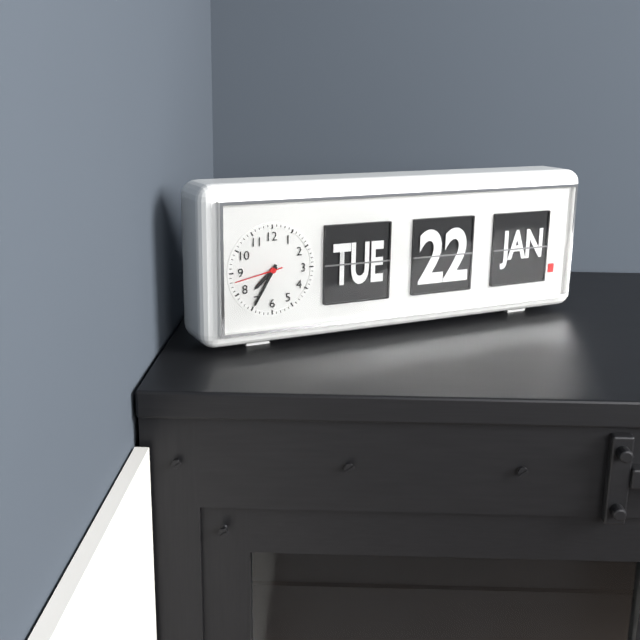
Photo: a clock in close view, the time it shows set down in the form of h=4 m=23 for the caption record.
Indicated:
h=7 m=35
